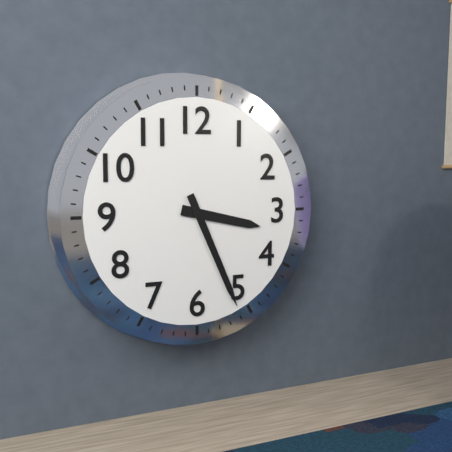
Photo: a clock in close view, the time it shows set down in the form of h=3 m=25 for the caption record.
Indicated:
h=3 m=26
